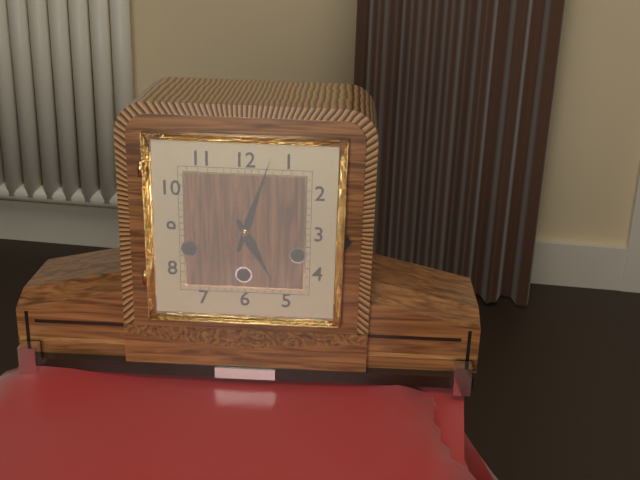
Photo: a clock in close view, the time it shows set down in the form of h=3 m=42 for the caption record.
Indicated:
h=5 m=3
